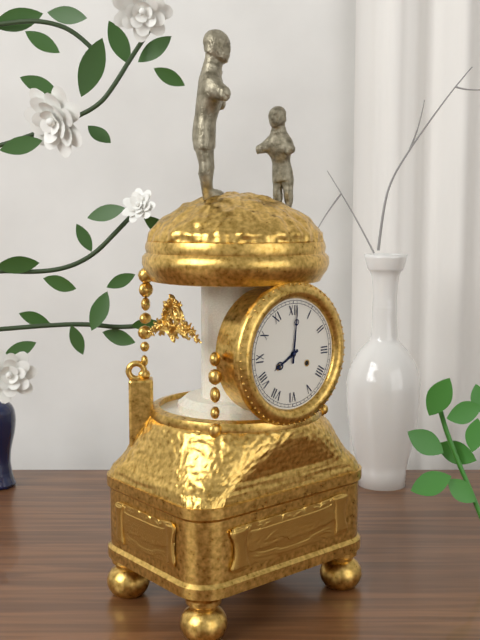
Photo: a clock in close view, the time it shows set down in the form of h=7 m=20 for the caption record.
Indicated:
h=8 m=1
